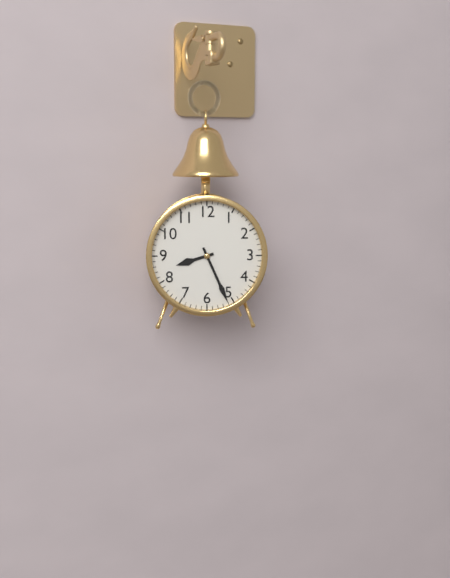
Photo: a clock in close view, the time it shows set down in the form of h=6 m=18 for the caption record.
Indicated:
h=8 m=26
